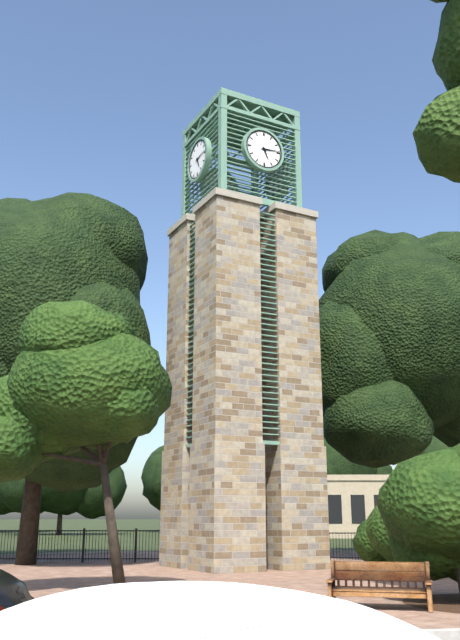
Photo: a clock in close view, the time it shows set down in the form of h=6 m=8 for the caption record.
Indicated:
h=5 m=14
